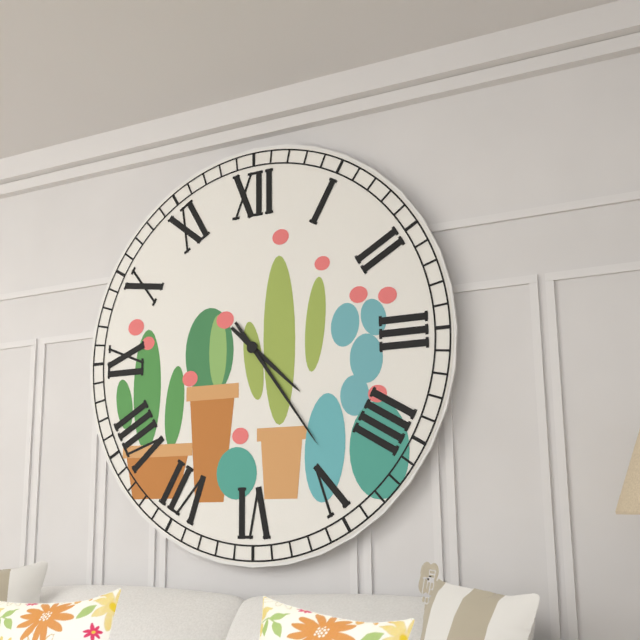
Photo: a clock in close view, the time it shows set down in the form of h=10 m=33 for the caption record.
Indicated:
h=4 m=24
